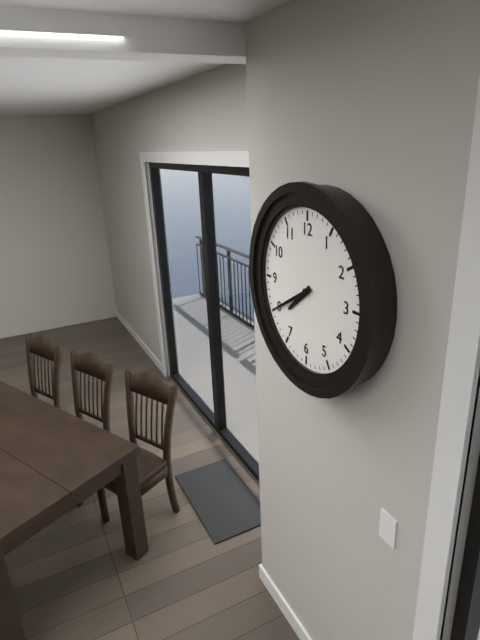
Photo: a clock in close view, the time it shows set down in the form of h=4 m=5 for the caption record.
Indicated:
h=7 m=40
